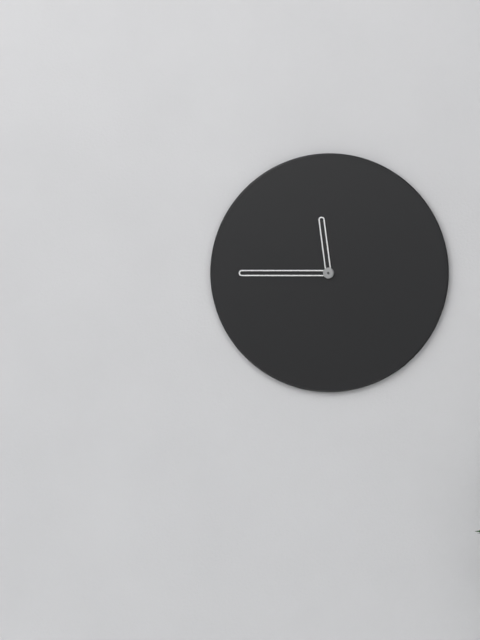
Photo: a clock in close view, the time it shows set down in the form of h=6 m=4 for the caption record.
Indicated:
h=11 m=45
